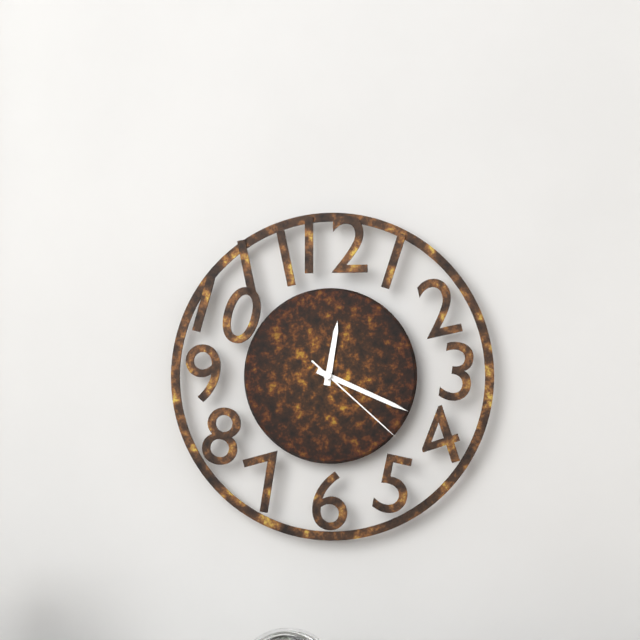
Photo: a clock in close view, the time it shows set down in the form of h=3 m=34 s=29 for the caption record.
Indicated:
h=12 m=19 s=22
